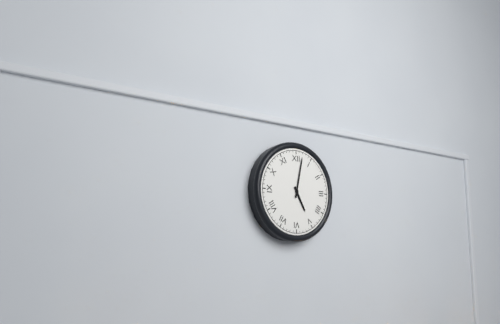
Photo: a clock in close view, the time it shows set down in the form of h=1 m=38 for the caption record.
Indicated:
h=5 m=2
